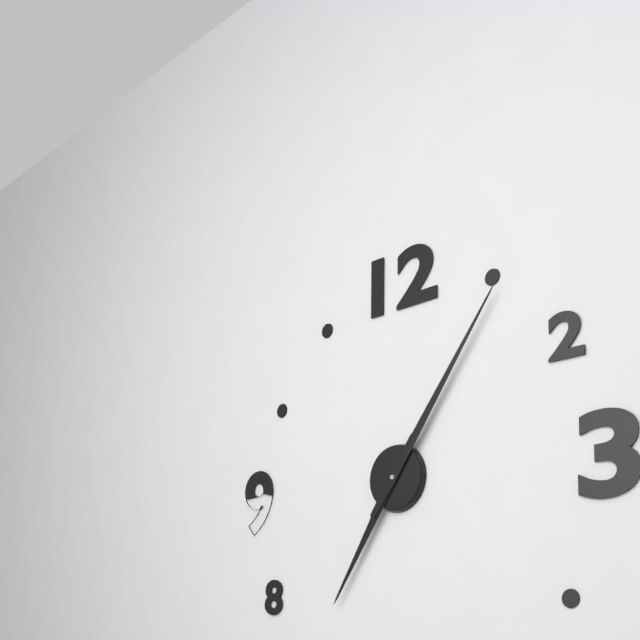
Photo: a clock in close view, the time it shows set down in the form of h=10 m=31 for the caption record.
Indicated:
h=7 m=6
